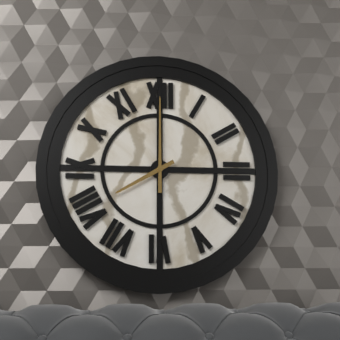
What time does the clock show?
8:00
